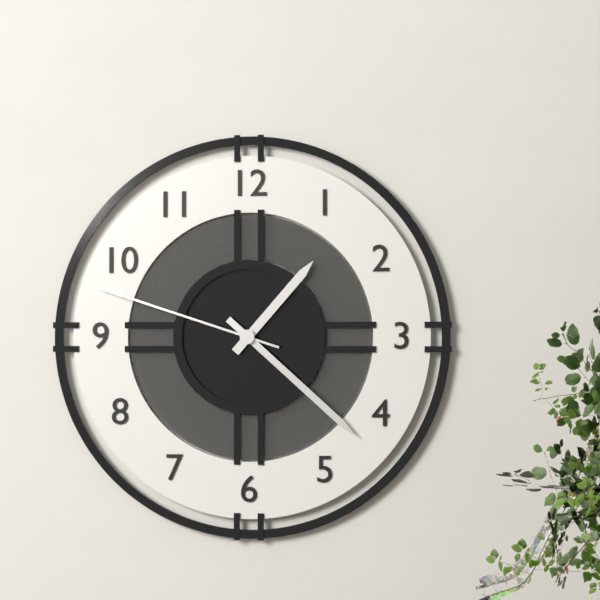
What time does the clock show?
1:22:48
